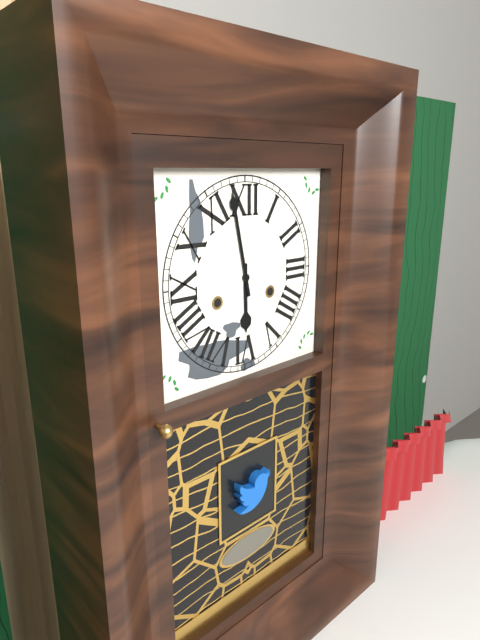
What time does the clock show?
5:58
